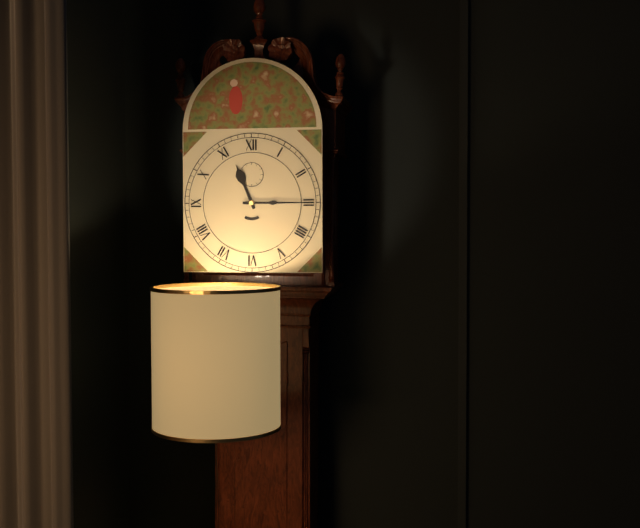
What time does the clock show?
11:15
